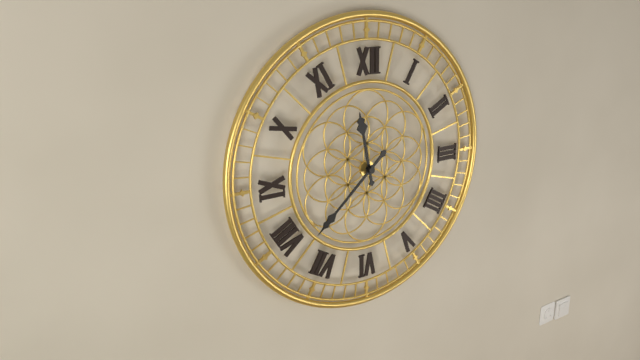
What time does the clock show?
11:38
